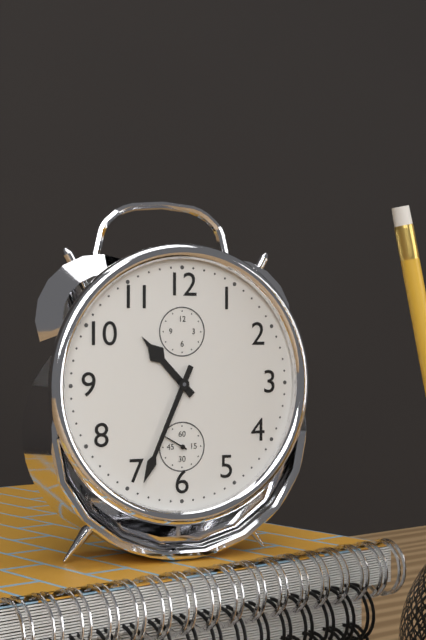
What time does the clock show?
10:34
